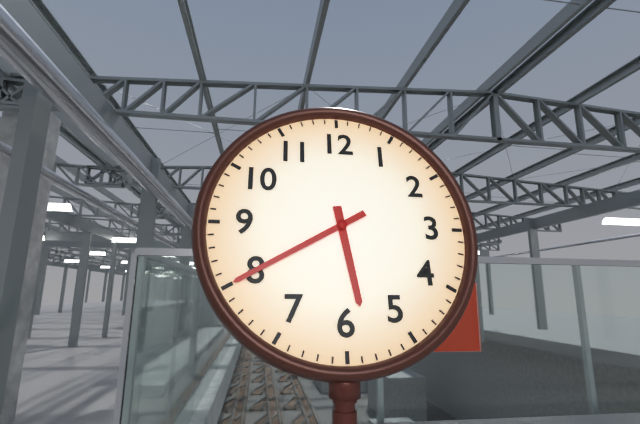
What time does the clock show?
5:40
